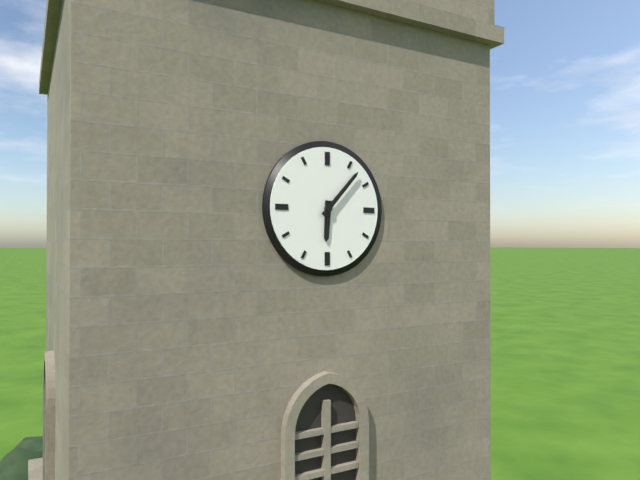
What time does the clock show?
6:07
